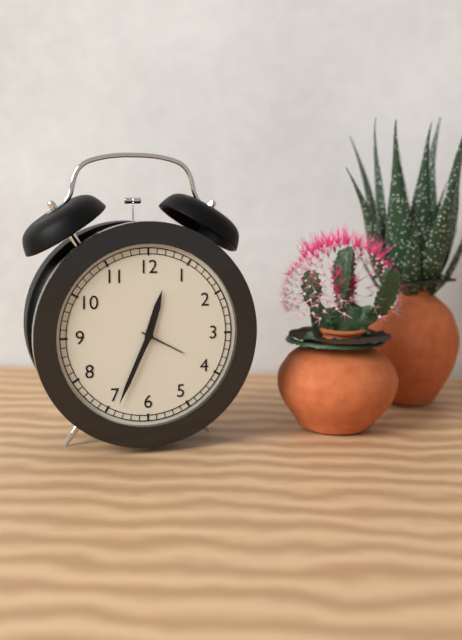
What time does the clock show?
12:34
